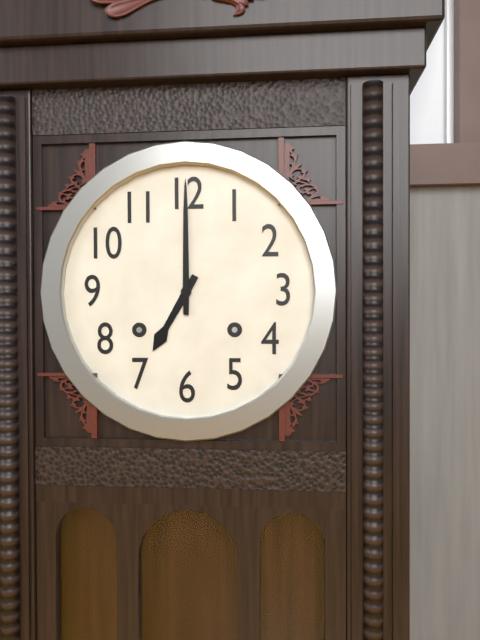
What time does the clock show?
7:00
